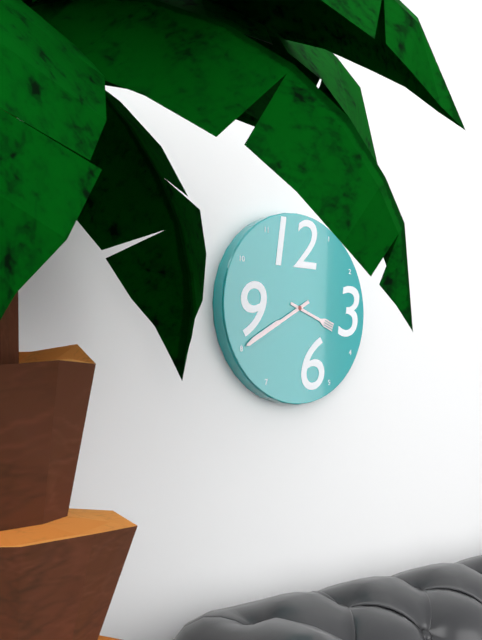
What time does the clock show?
3:40
